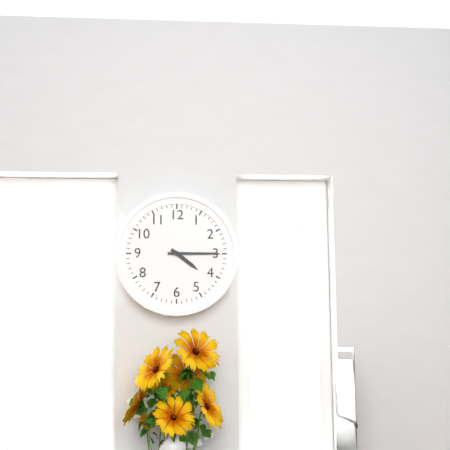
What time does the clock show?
4:15
